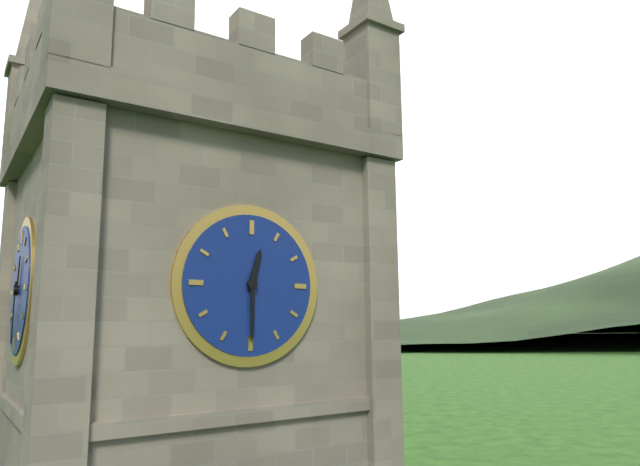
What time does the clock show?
12:30
